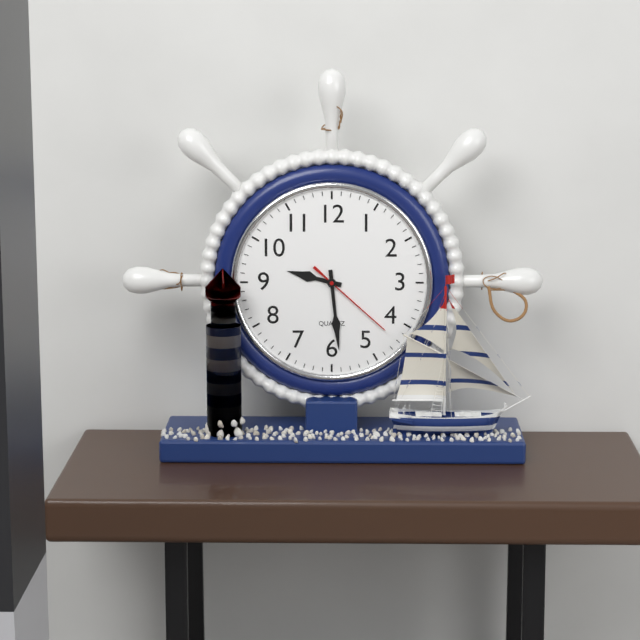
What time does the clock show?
9:29:22
